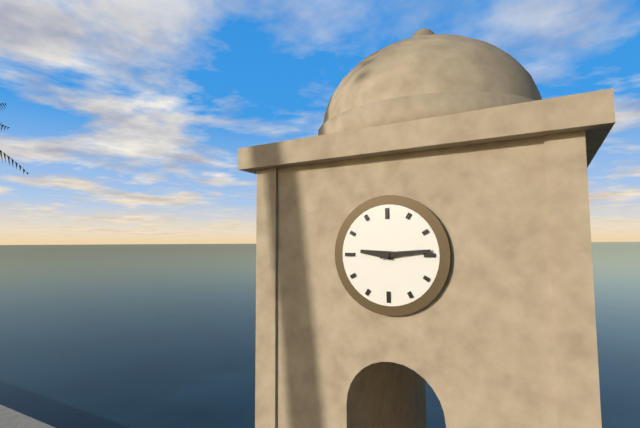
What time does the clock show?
9:14
